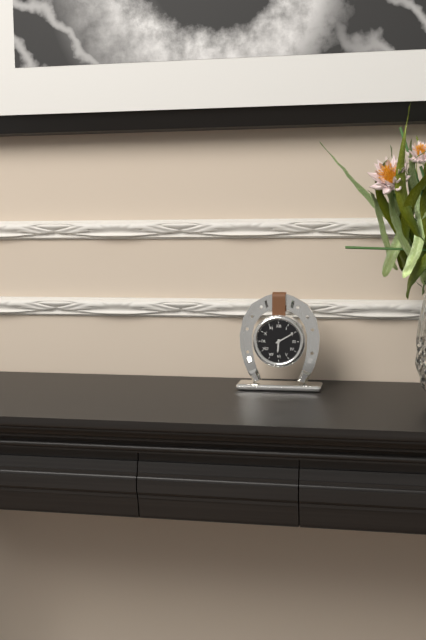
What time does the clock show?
6:10
